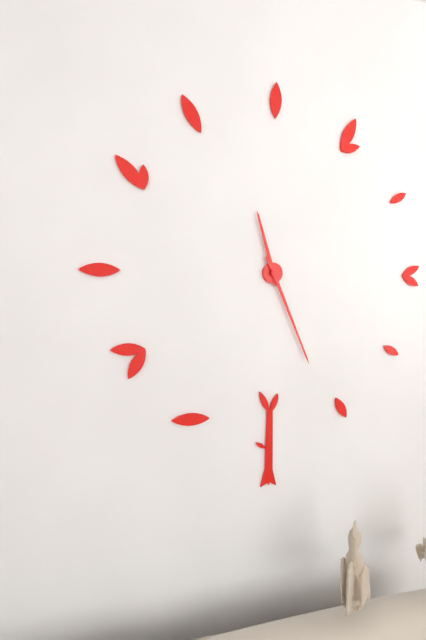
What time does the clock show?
11:26
